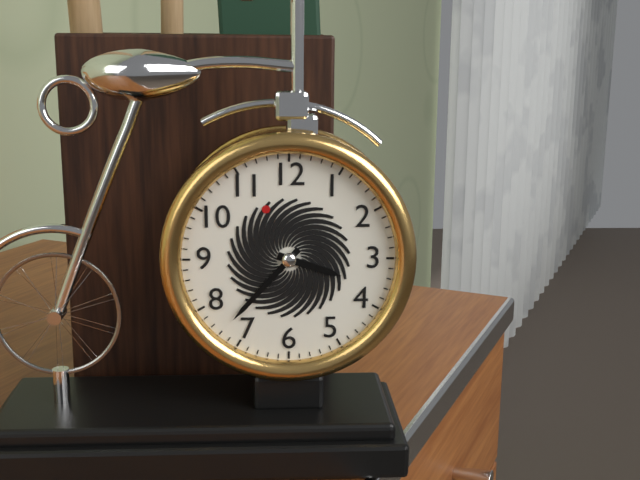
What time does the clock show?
3:37
